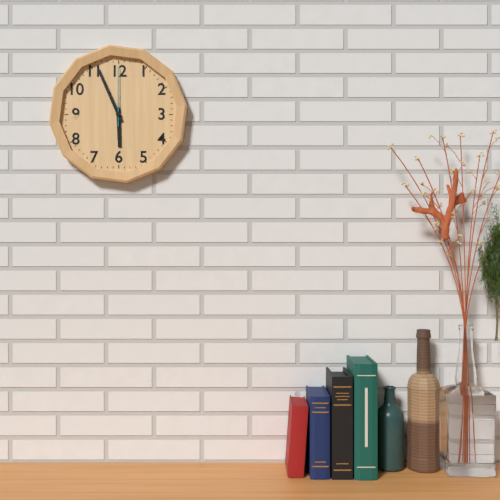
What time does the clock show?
5:56:00
